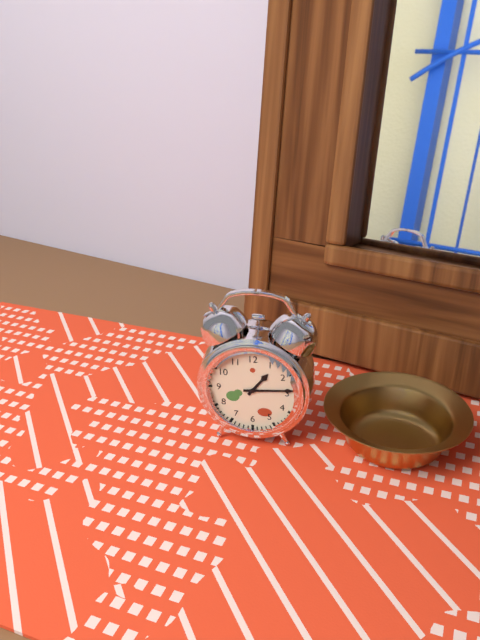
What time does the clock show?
1:14
